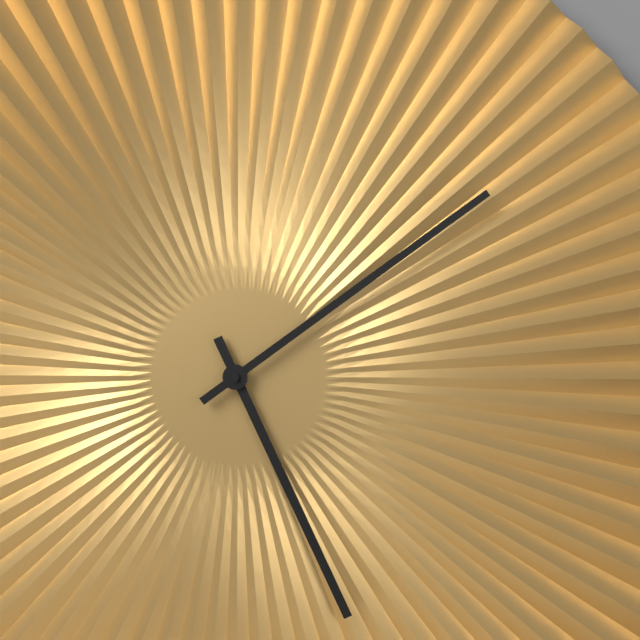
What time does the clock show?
5:09
